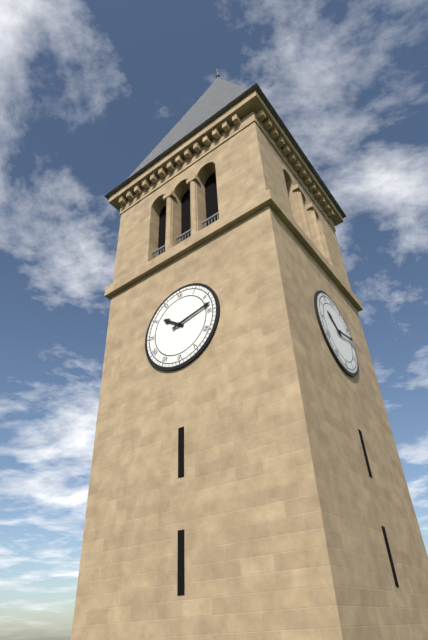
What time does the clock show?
10:13
